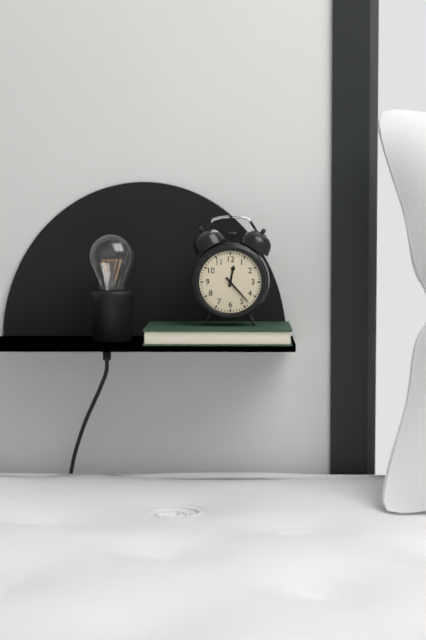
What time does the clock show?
12:23
